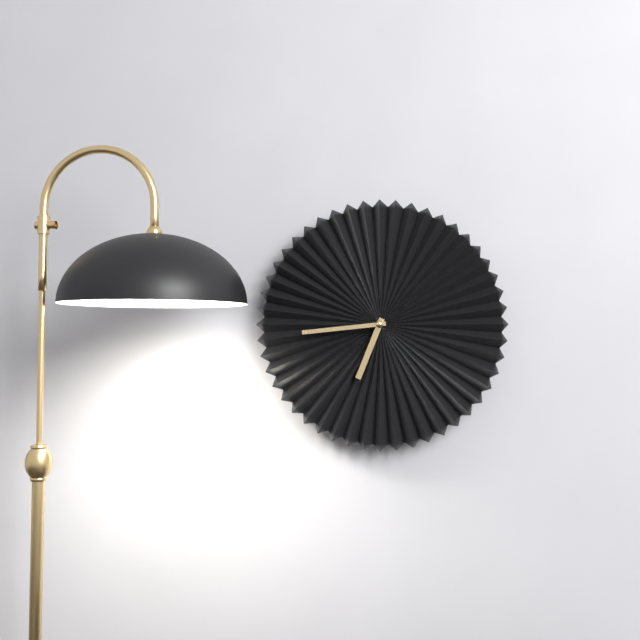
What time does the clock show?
6:44
